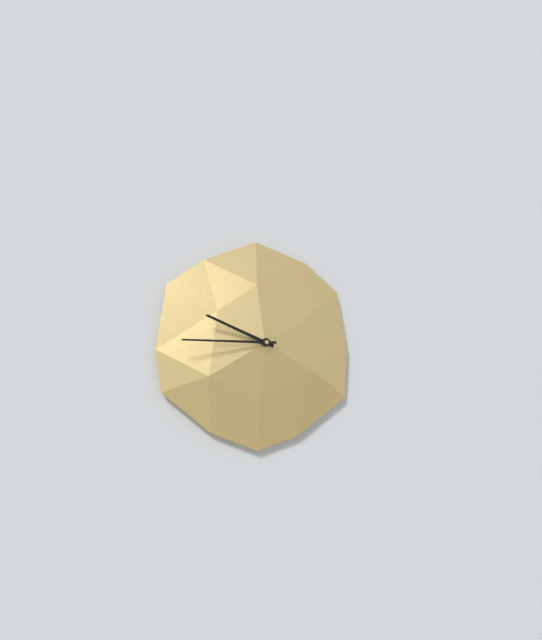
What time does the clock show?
9:45
